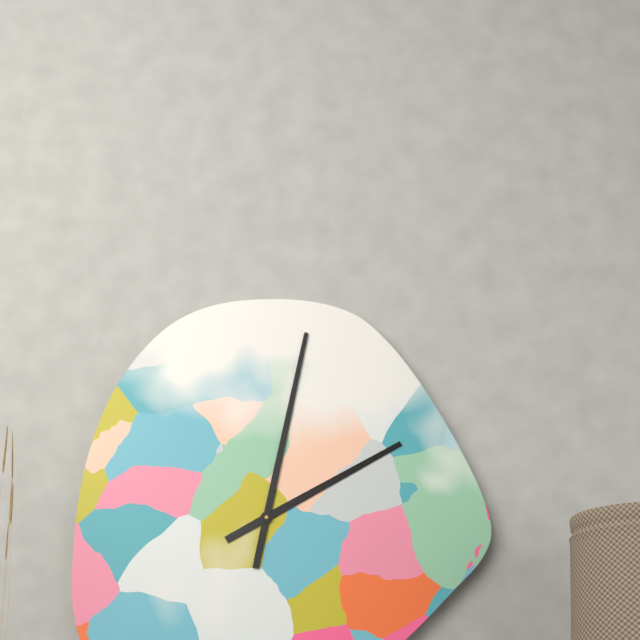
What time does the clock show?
2:02
